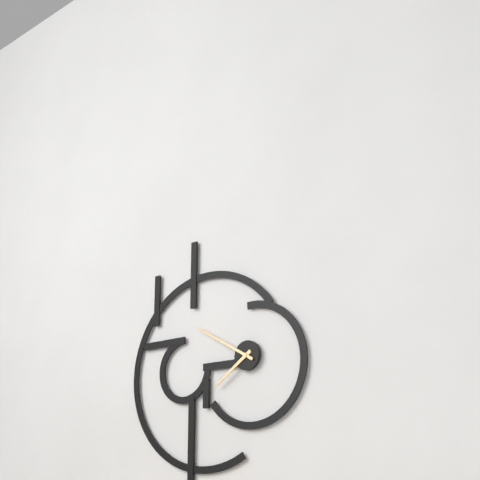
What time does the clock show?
7:50
